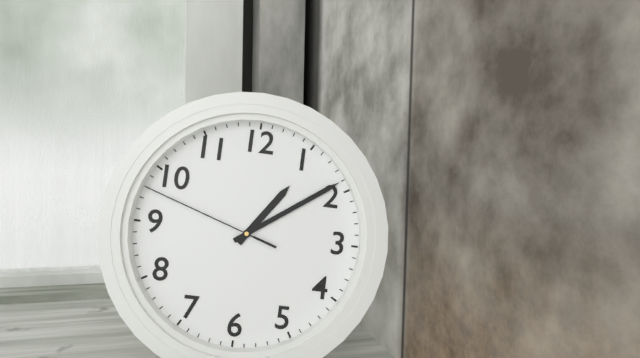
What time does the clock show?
1:09:48
